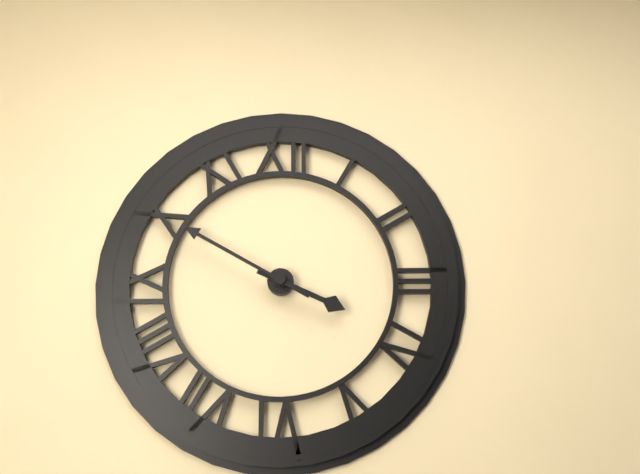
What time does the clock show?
3:50
